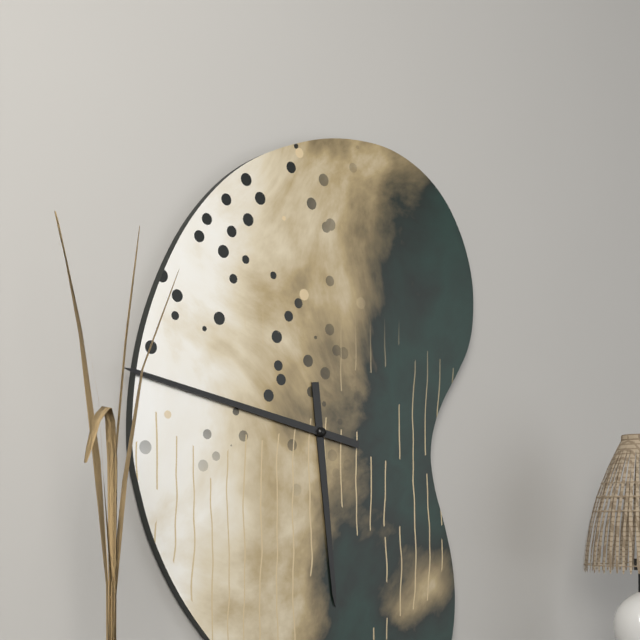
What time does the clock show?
5:47
